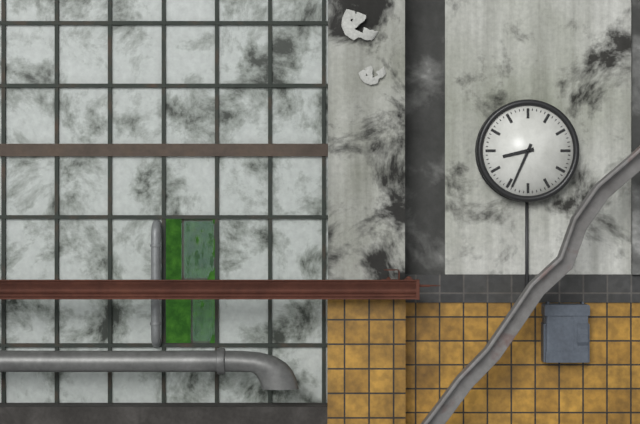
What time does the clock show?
8:34
